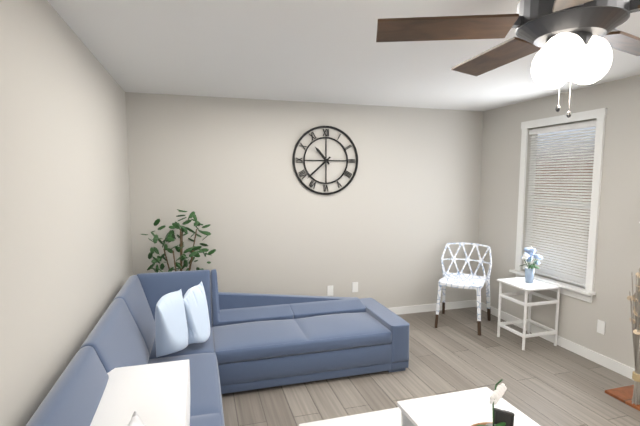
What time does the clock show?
10:38
